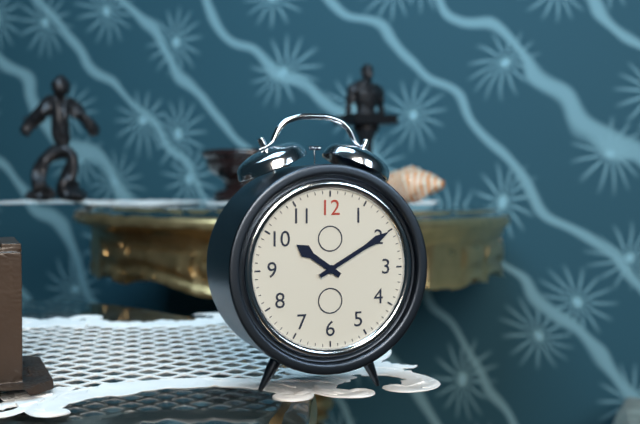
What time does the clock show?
10:10
